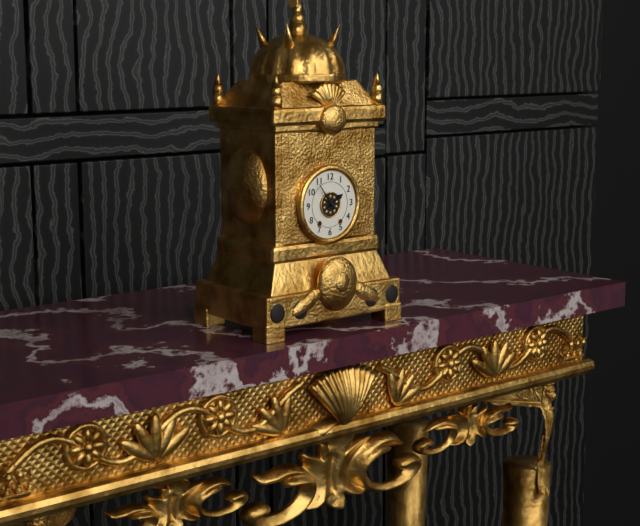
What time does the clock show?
1:54
